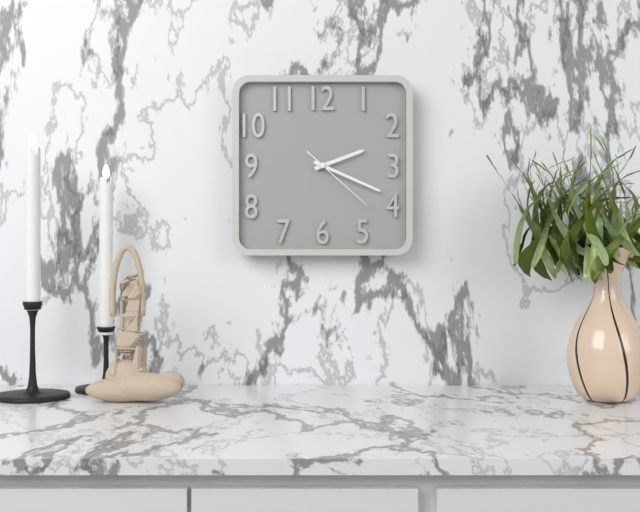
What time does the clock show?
2:19:22
